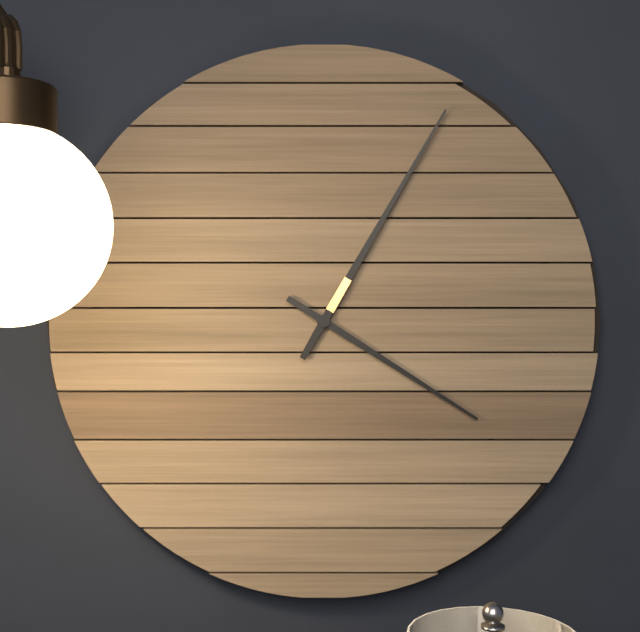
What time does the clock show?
4:05
